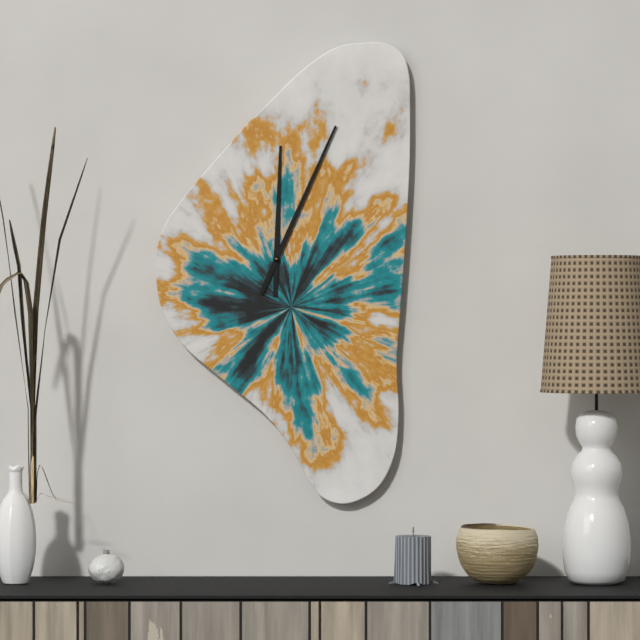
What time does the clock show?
12:04
